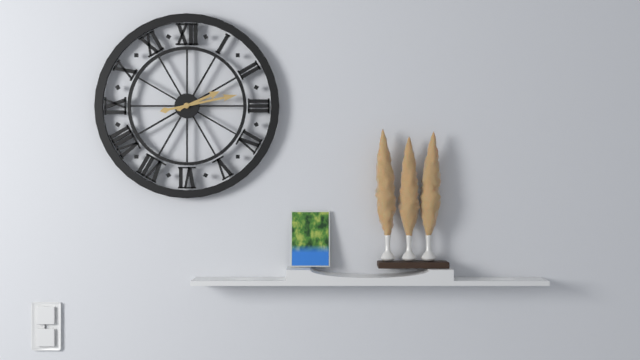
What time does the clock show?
2:13
